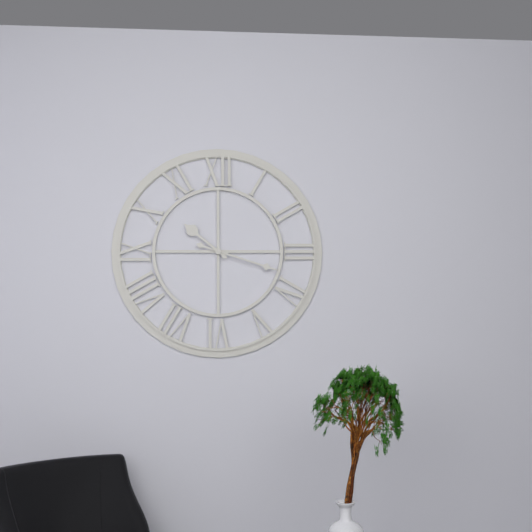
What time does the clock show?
10:18
